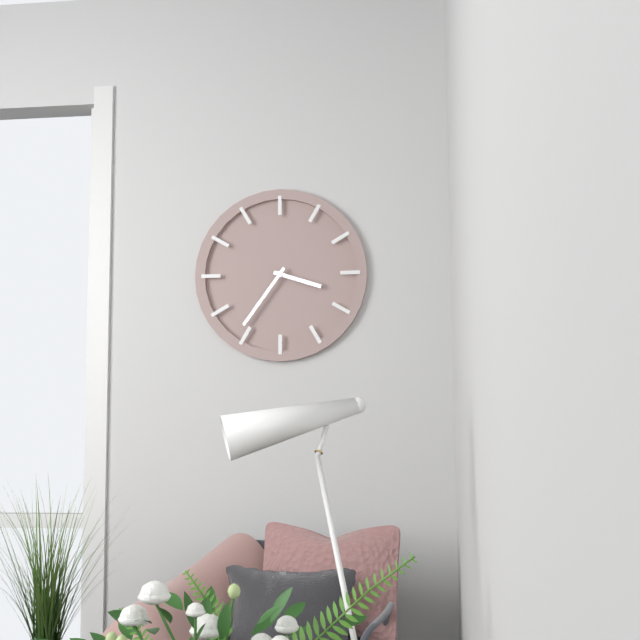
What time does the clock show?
3:36
